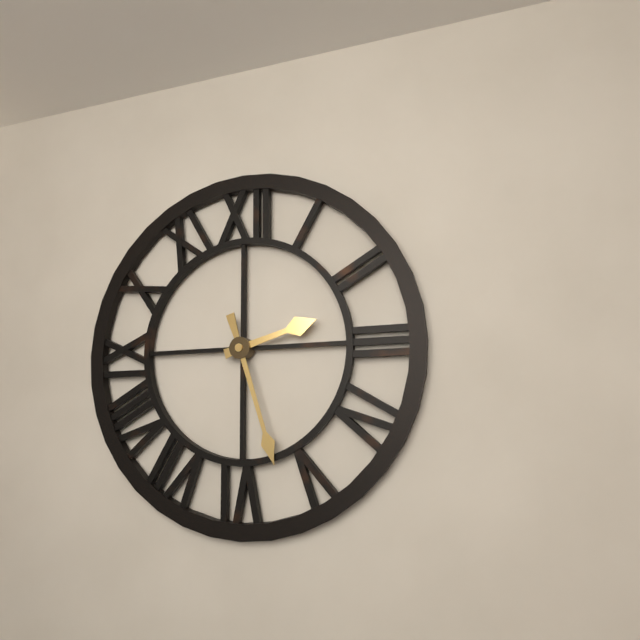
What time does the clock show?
2:27
